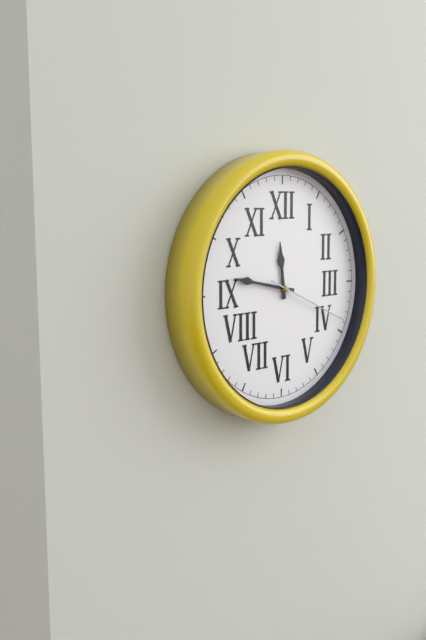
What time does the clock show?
11:47:19
